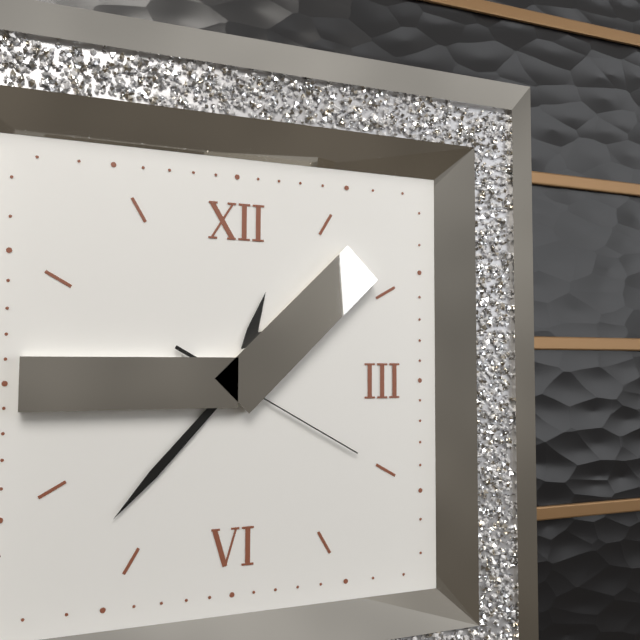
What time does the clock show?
12:37:20
